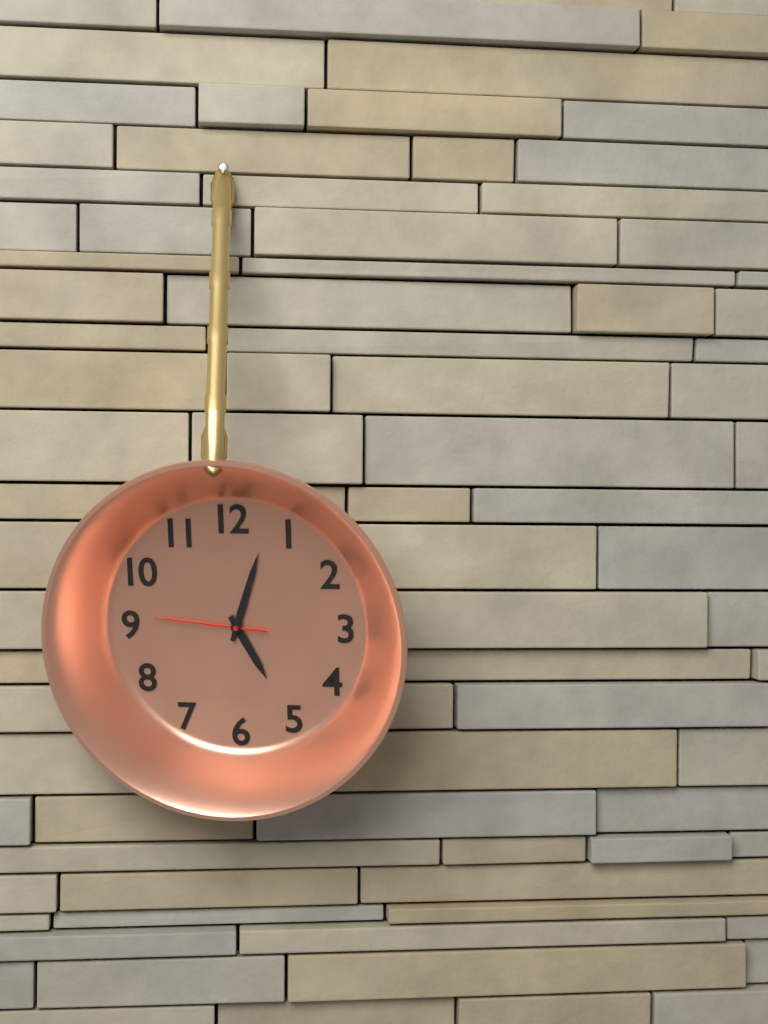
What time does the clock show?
5:03:46
